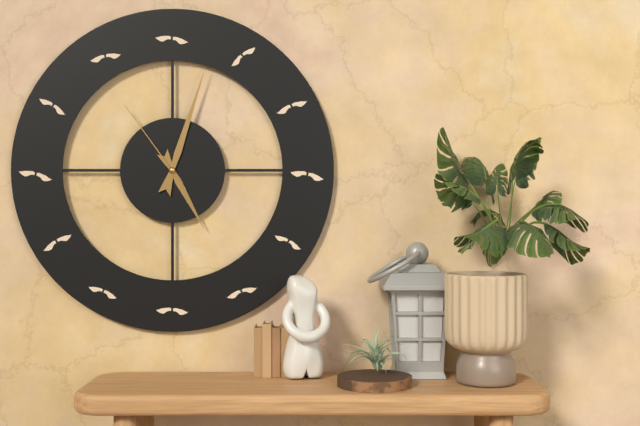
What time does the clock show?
5:03:54
